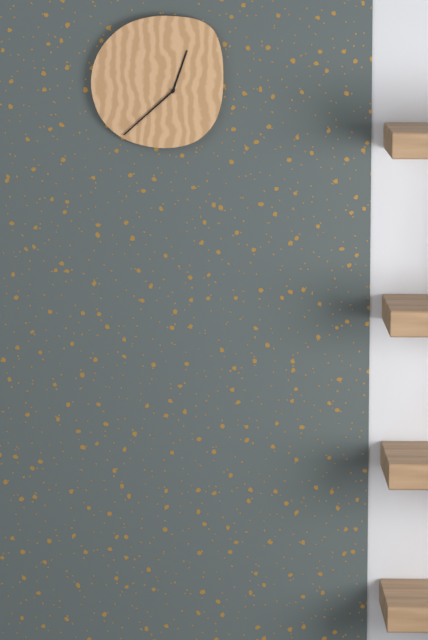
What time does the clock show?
12:38
